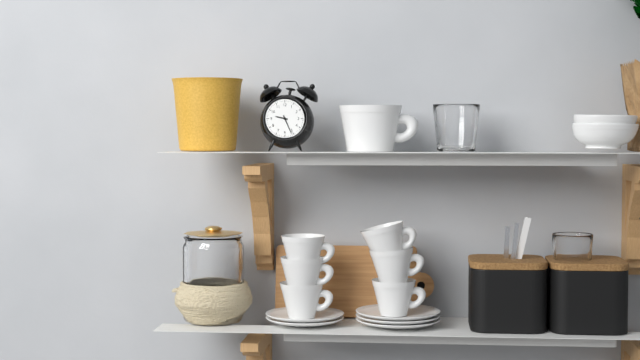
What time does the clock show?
9:26
